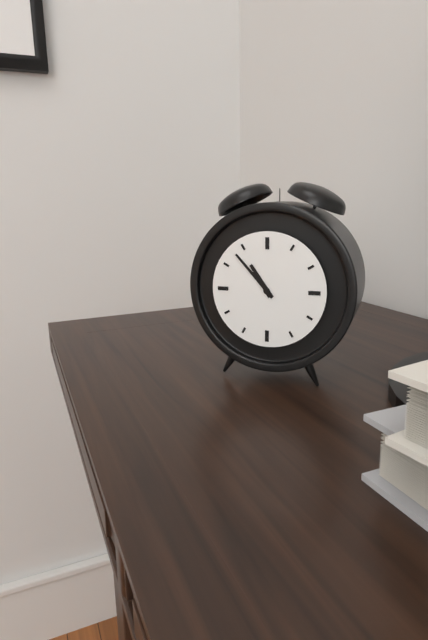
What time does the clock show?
10:53
